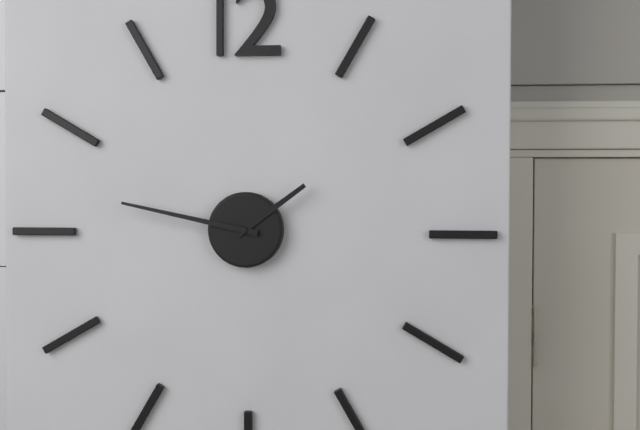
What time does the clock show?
1:47
